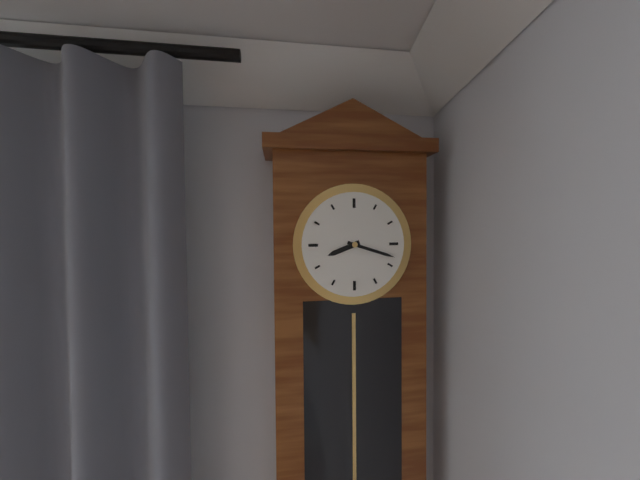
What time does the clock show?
8:18
